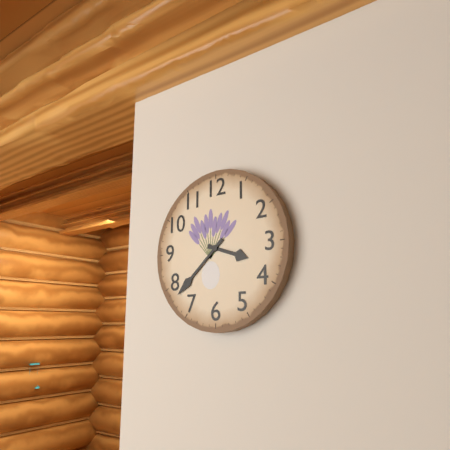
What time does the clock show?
3:38
